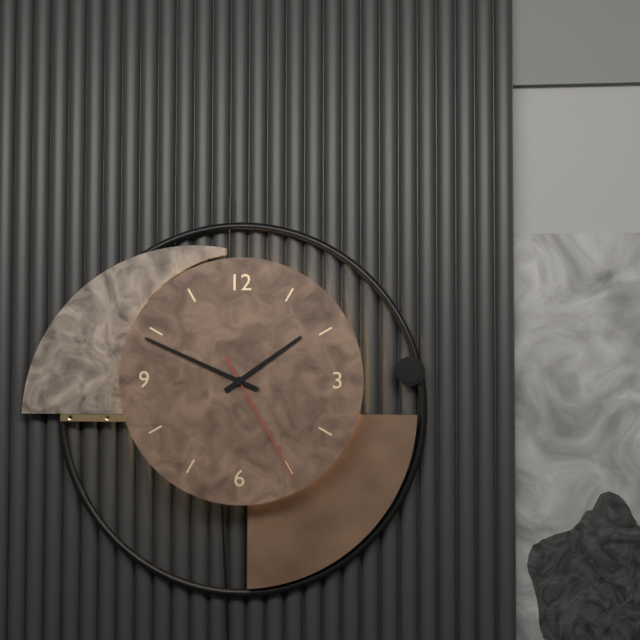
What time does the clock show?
1:49:25
